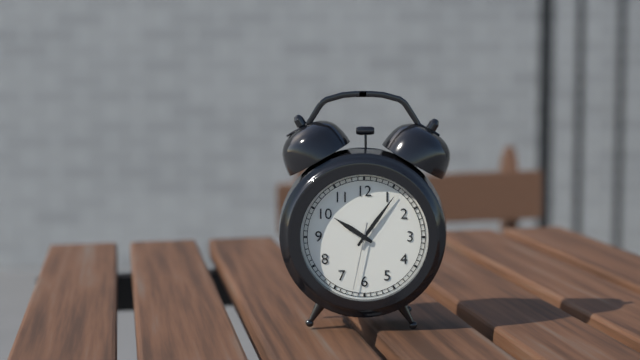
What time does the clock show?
10:06:32
